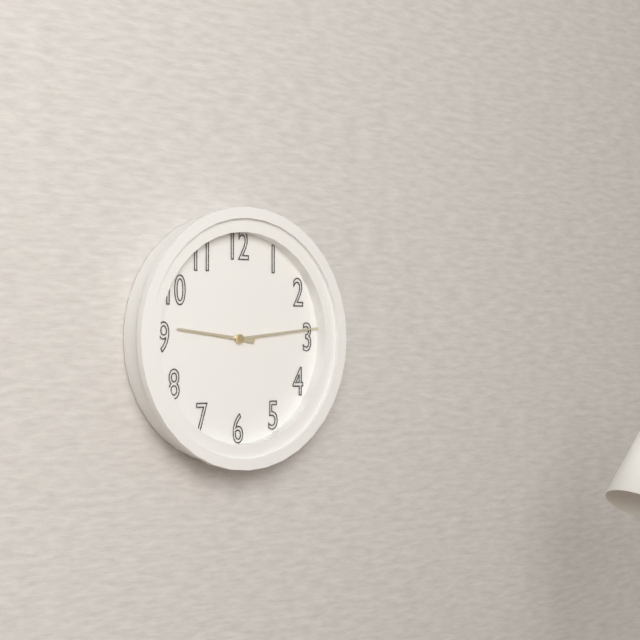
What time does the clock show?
9:14
